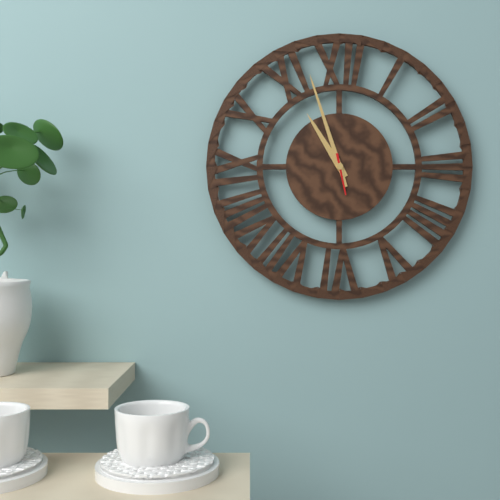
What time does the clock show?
10:57
